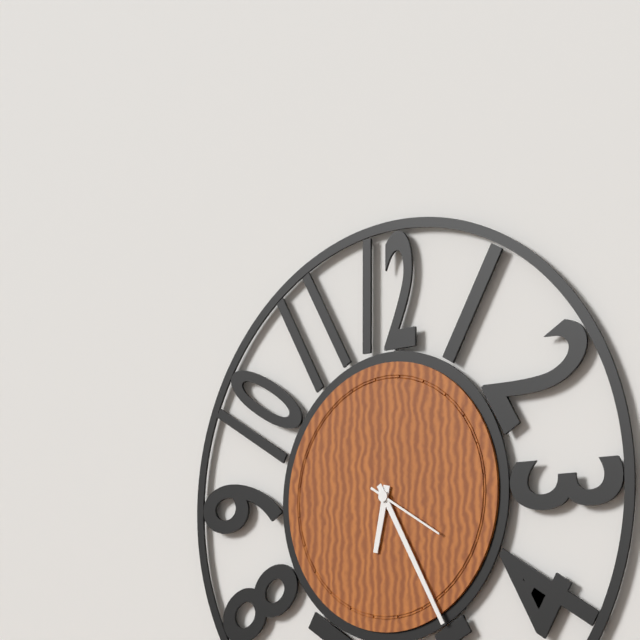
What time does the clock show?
6:25:20
